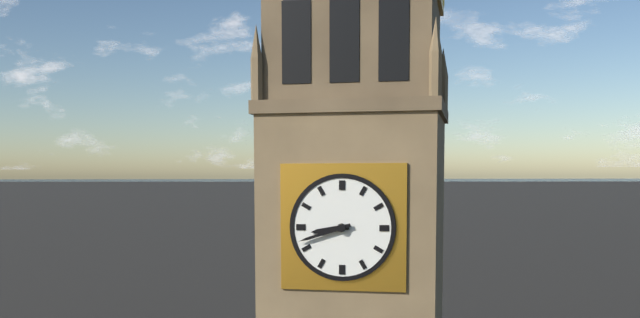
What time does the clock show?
8:42
